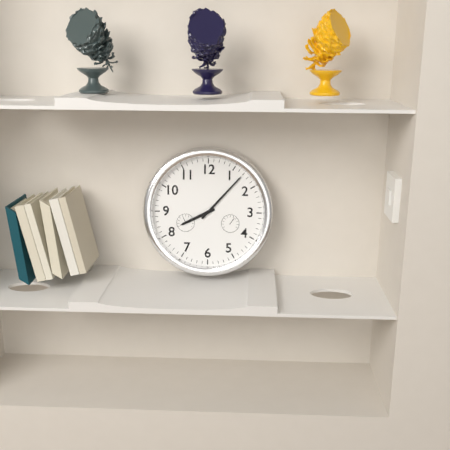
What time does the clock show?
8:07
